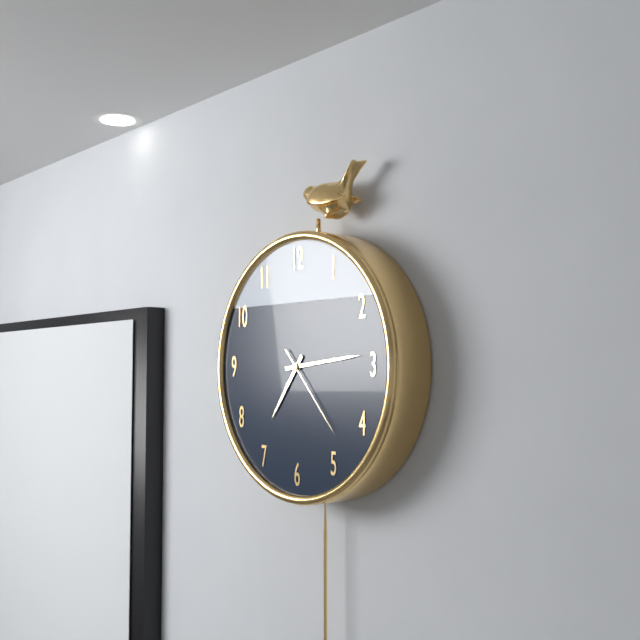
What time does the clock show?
7:14:23
